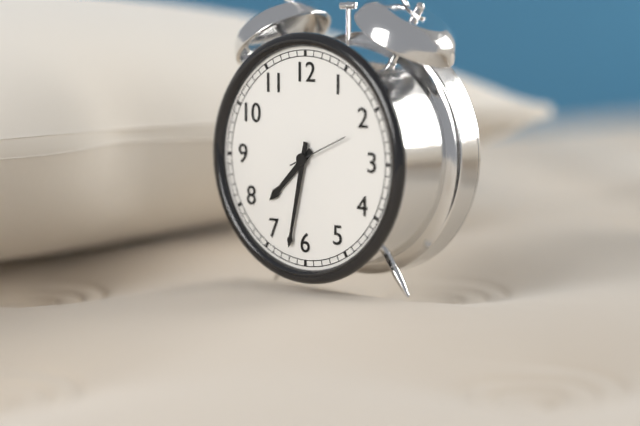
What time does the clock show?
7:32:11
